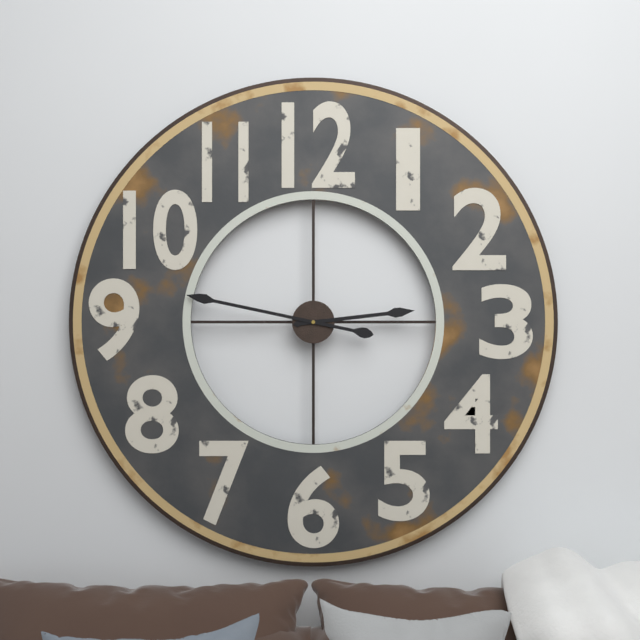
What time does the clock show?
2:47
